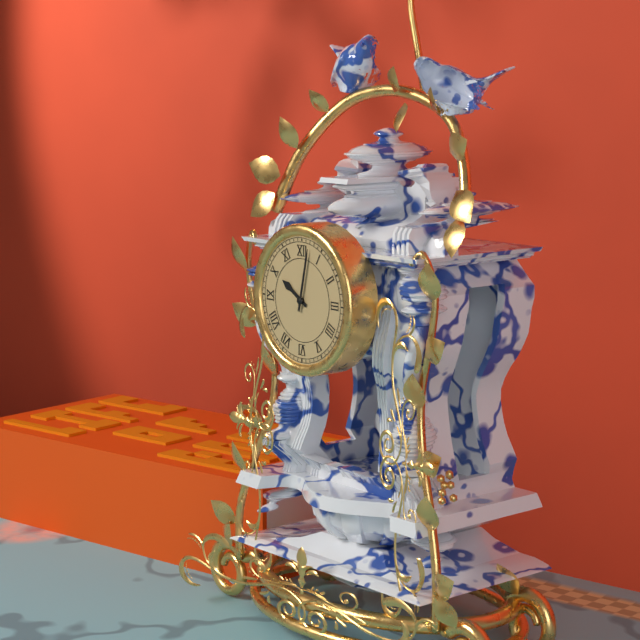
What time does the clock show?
10:02
